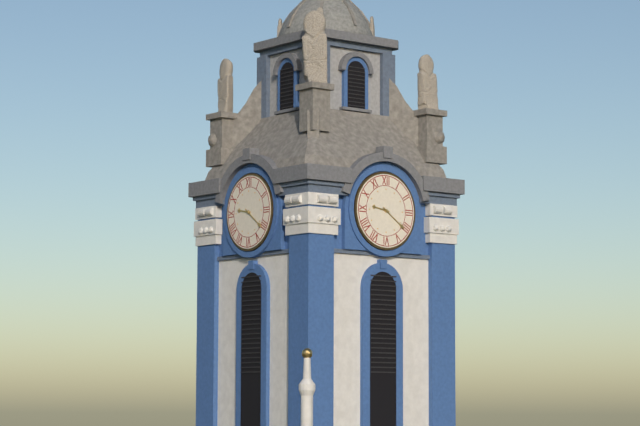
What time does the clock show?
9:21
